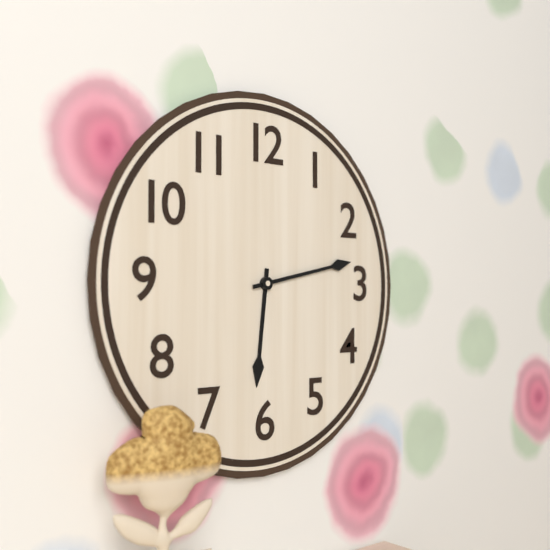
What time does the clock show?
6:13
